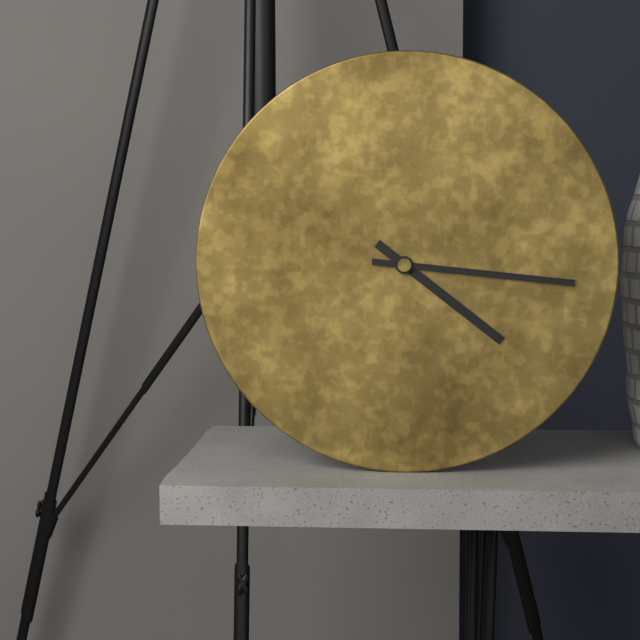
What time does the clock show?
4:16
